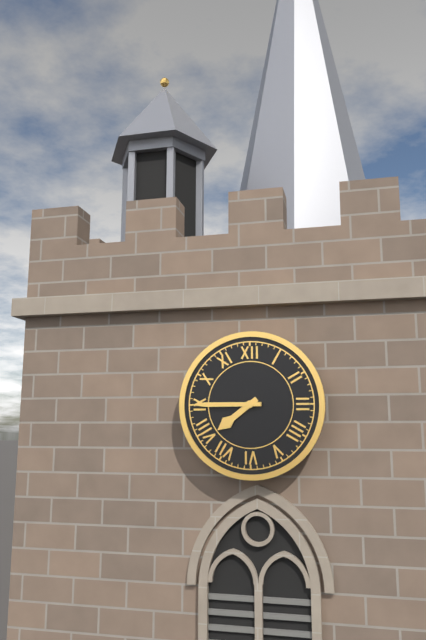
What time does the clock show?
7:45
